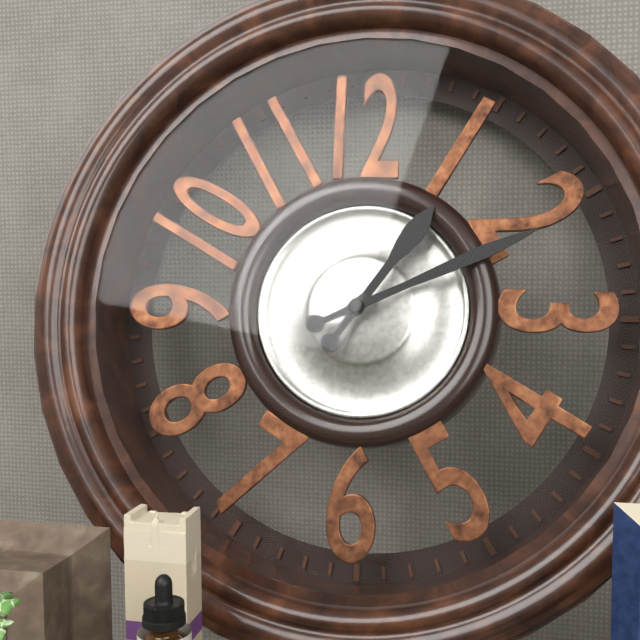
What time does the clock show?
1:11
